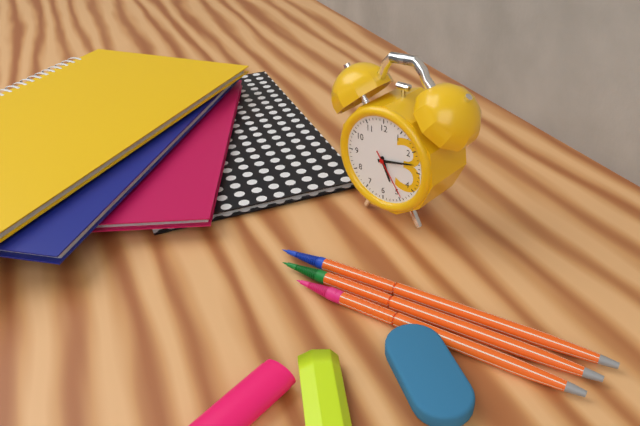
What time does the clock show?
5:13:24
